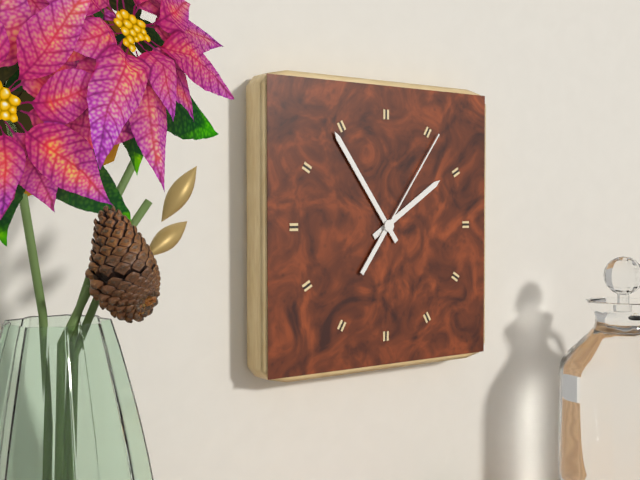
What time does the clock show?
1:54:06
